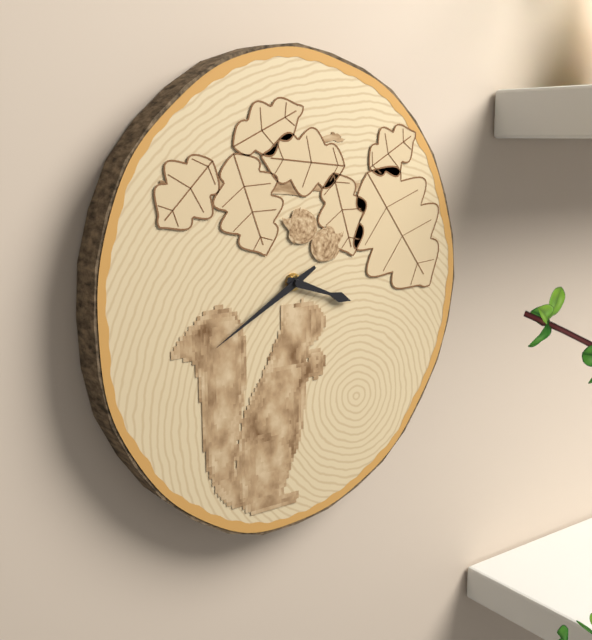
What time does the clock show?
3:40
